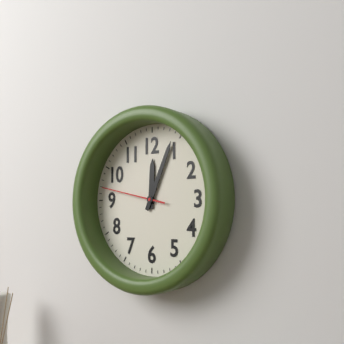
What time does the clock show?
12:04:47
